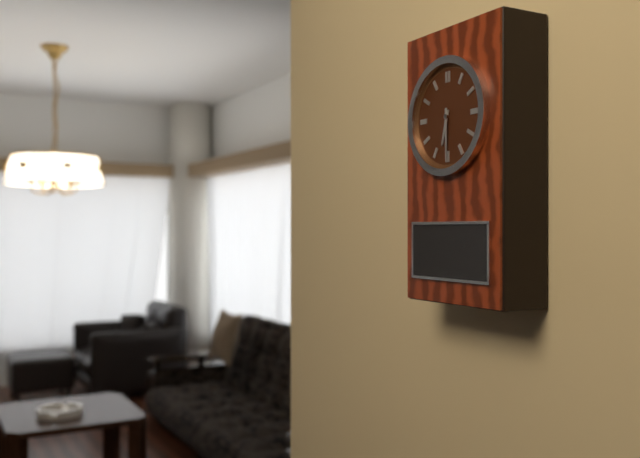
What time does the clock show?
6:30
